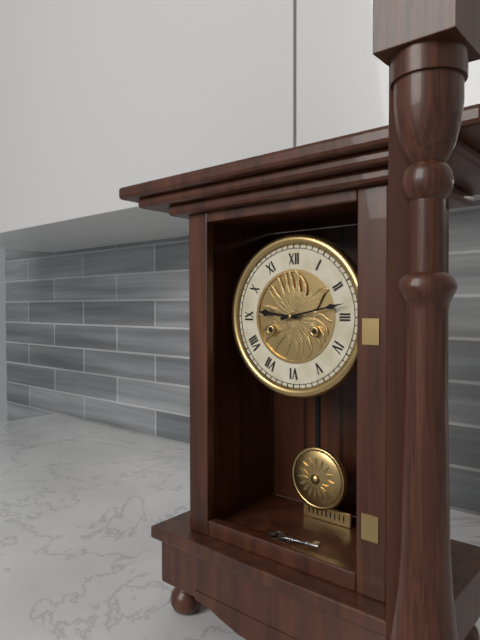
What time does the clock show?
9:13
